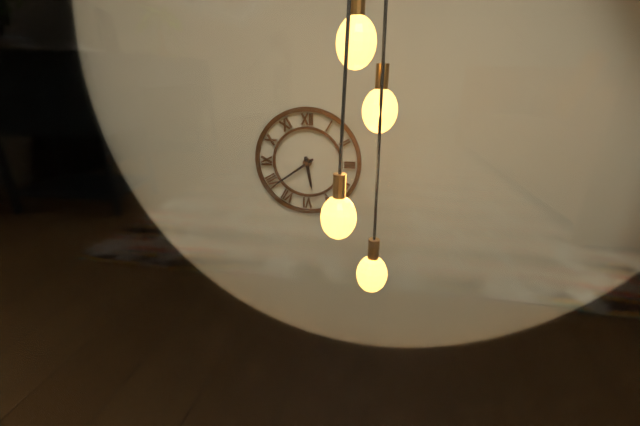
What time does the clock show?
5:39
